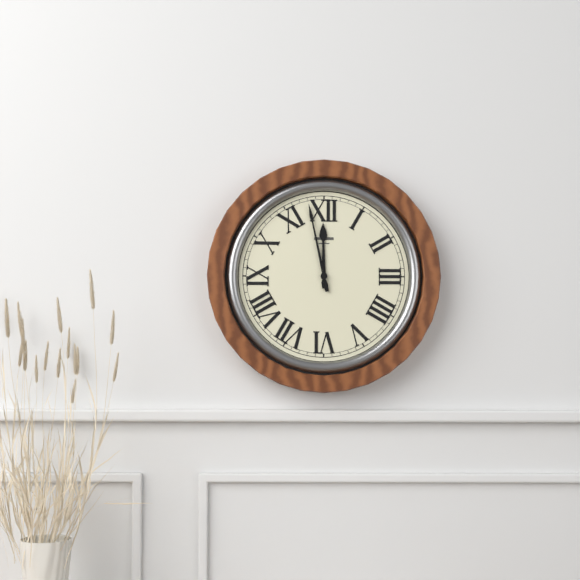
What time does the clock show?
11:58
